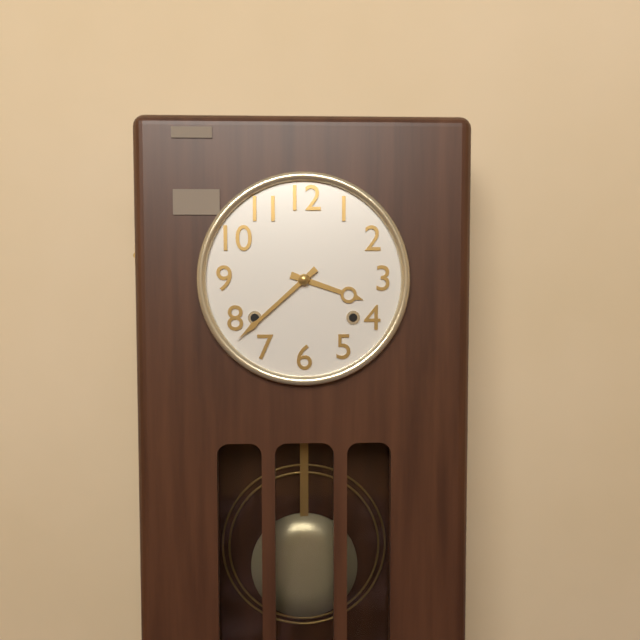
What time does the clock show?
3:38
